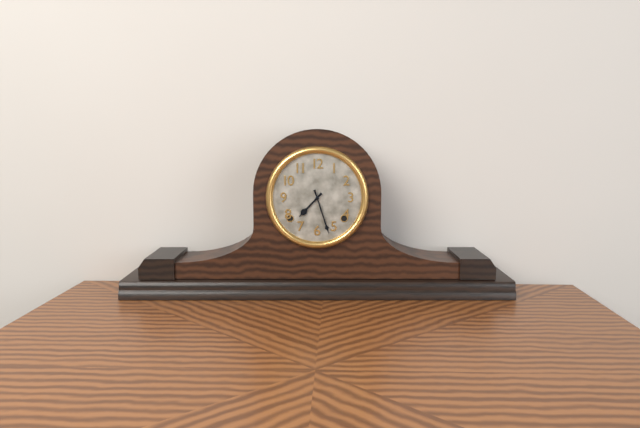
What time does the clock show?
7:27
